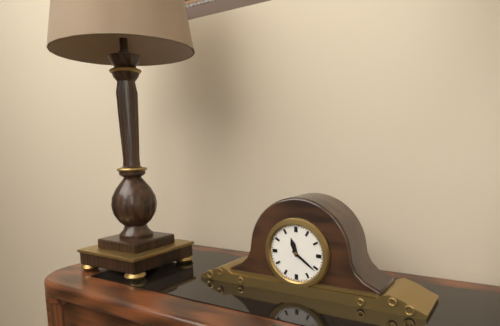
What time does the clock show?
11:21
